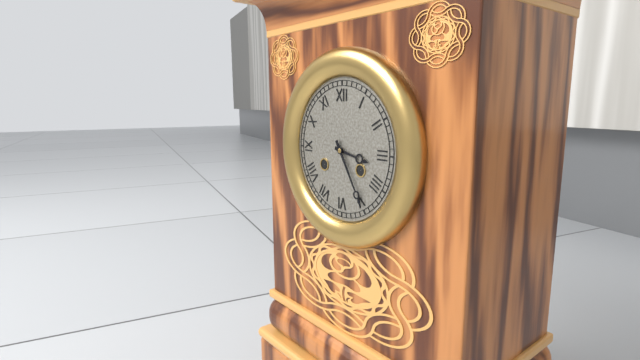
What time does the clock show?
3:25
